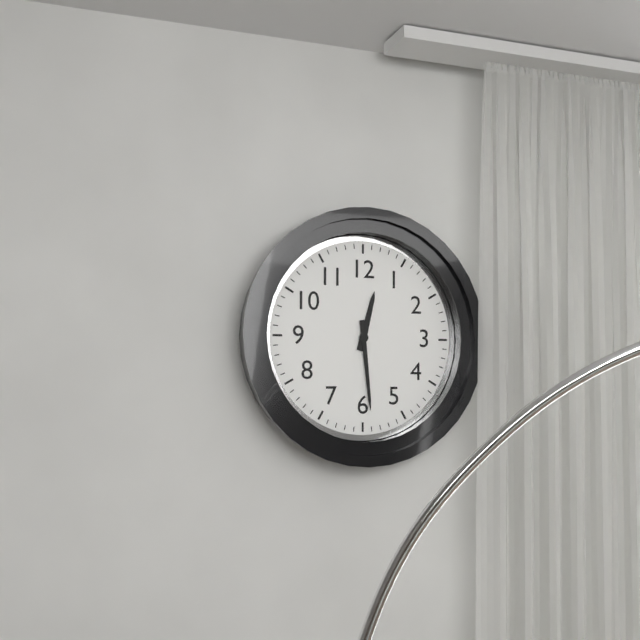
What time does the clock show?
12:29
